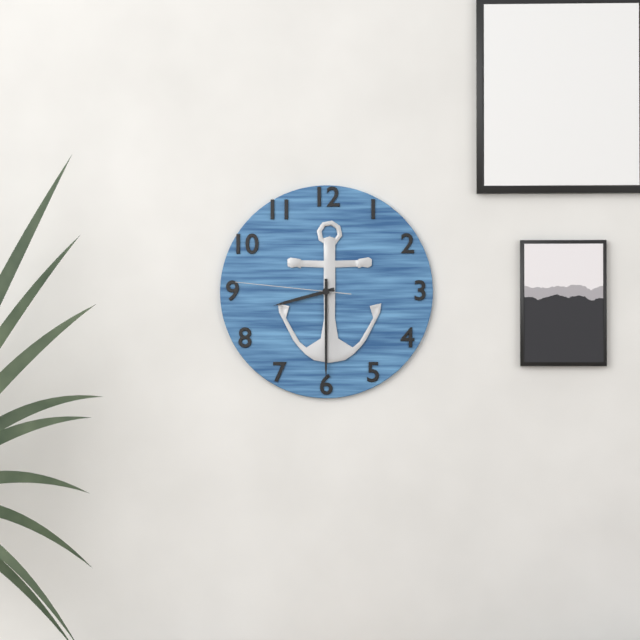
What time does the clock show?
8:30:46
